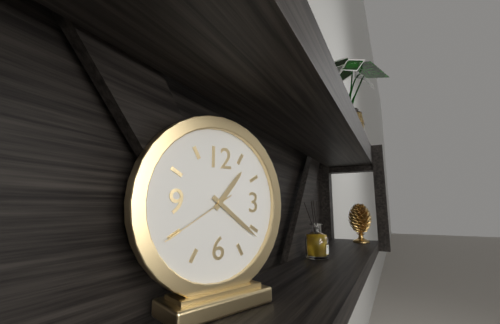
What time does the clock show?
1:21:40
